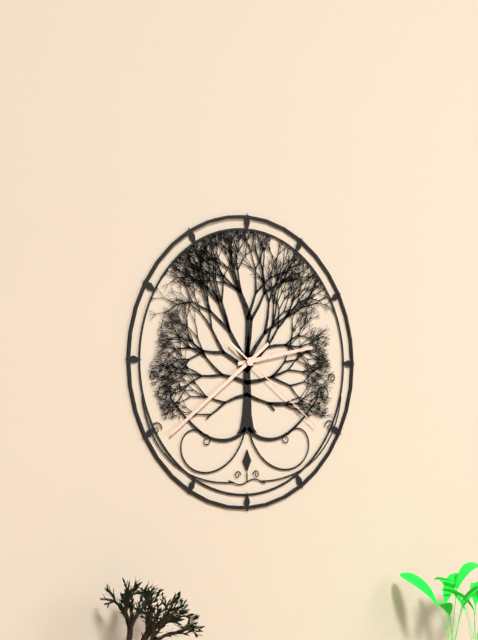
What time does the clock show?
2:39:21
